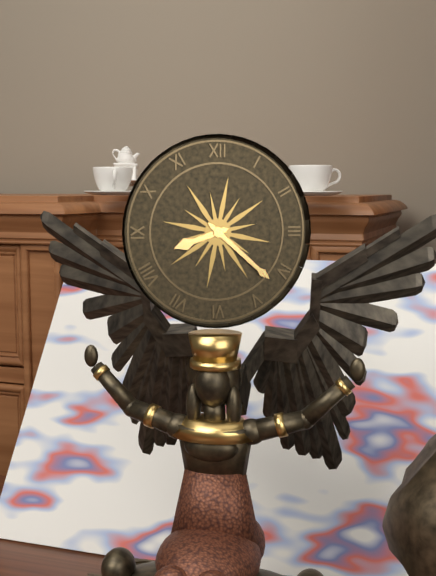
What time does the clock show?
8:22
